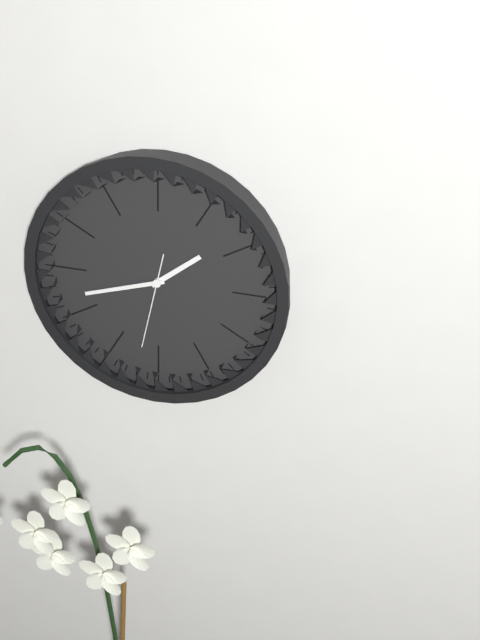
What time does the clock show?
1:42:32
